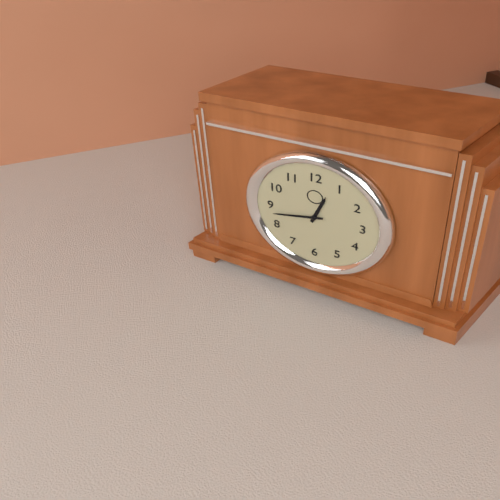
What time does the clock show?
12:43
